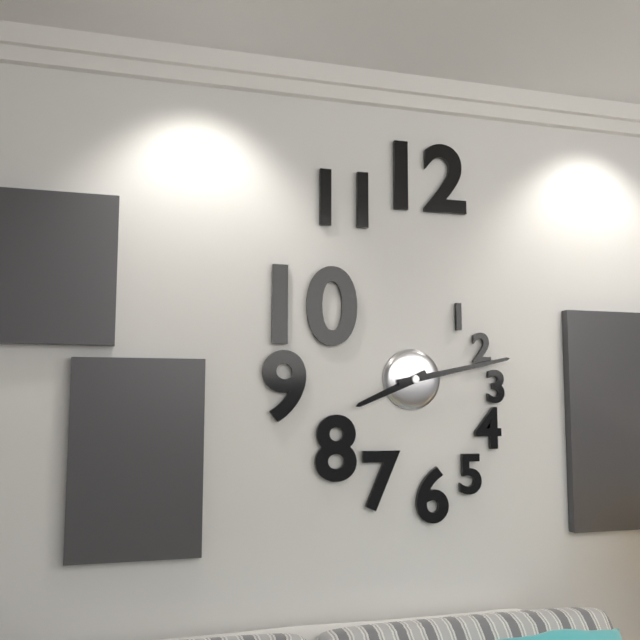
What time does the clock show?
8:13
